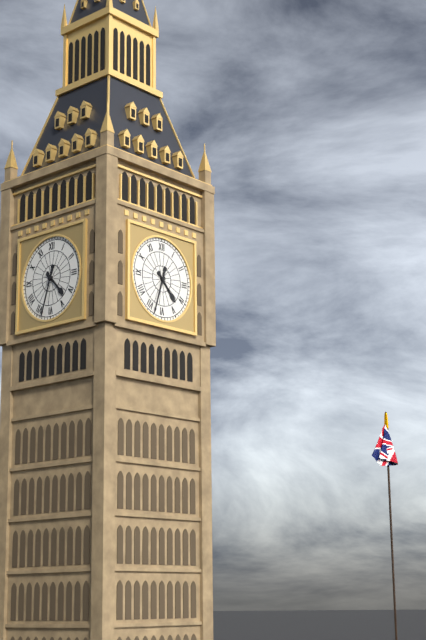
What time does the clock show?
4:33
